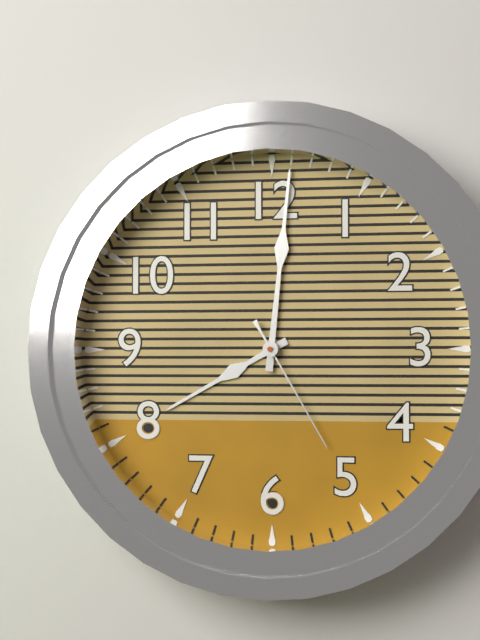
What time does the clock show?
8:01:25
